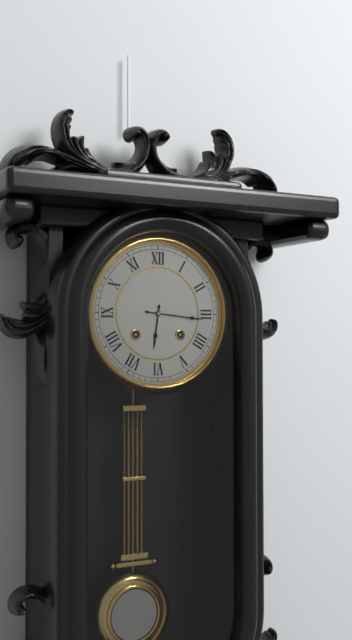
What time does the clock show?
6:16
